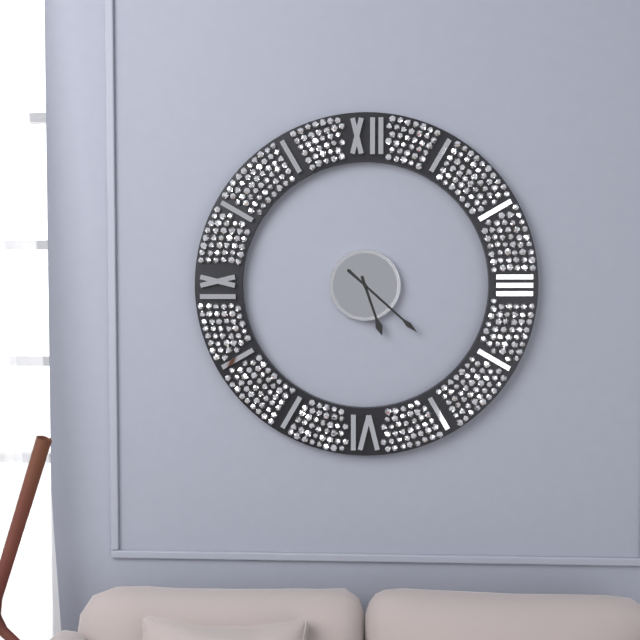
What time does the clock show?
5:22
